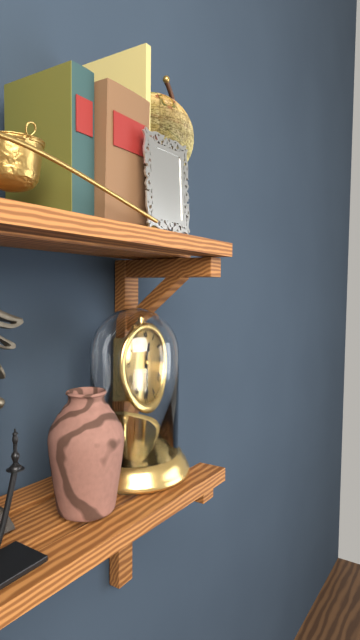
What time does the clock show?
12:30
